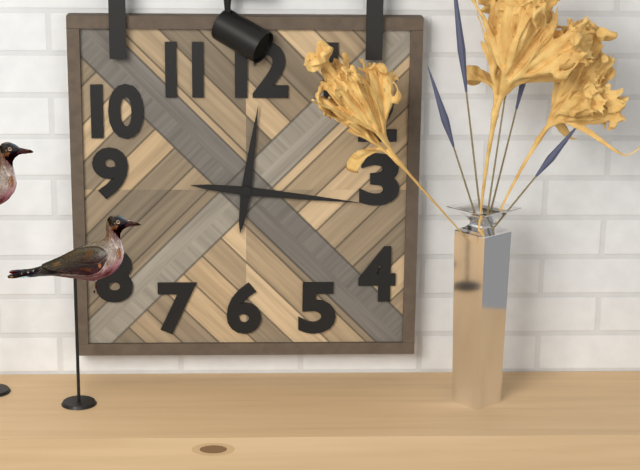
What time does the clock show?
12:16
